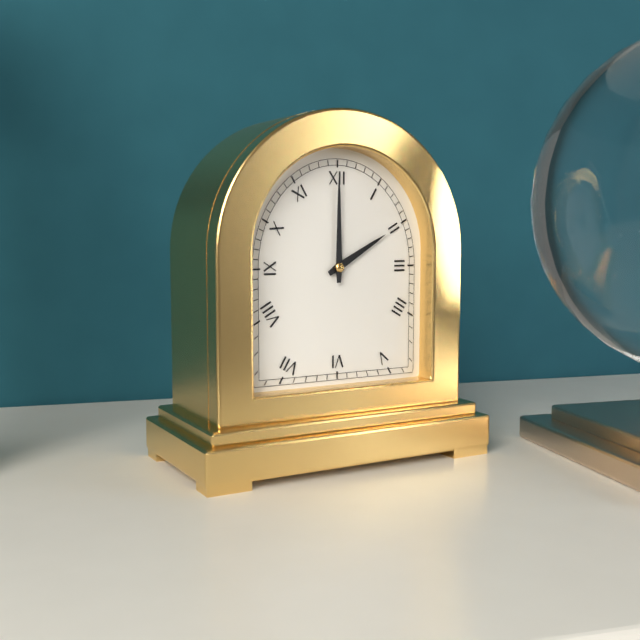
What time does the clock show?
2:00
